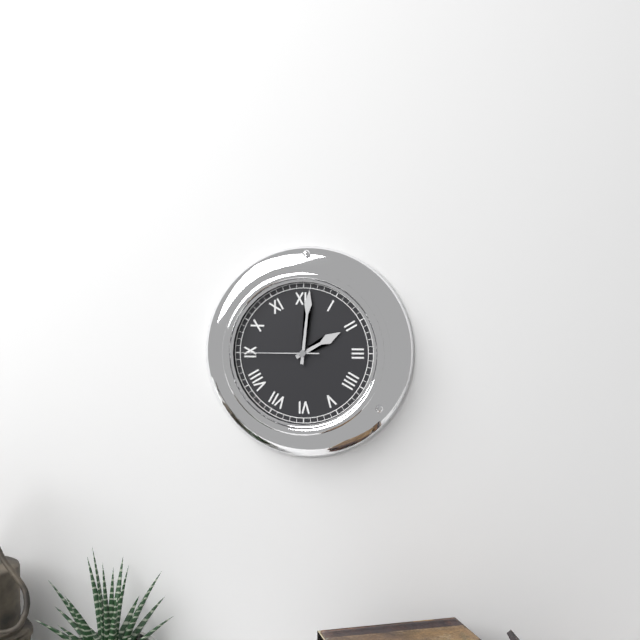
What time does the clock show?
2:01:45
